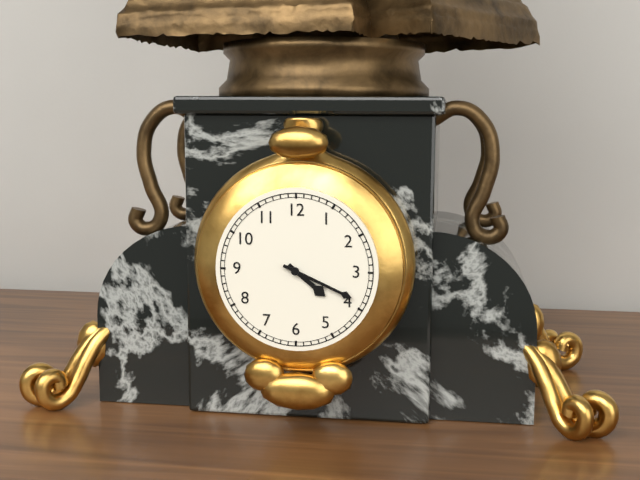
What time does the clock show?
4:19
